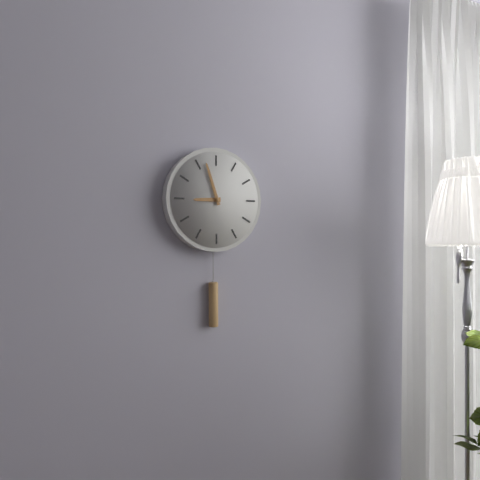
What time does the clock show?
8:57
